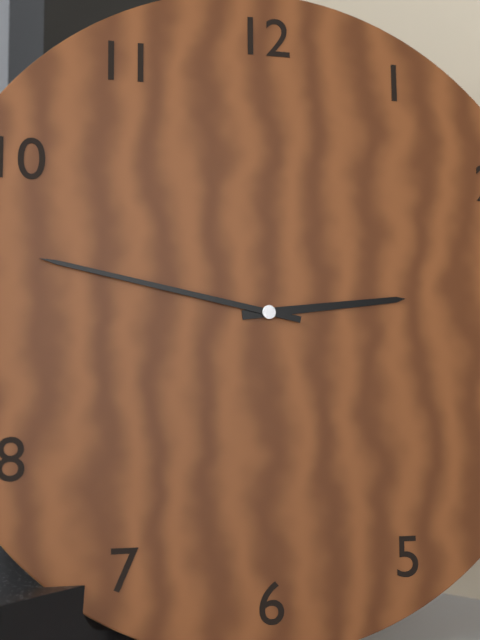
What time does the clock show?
2:47
